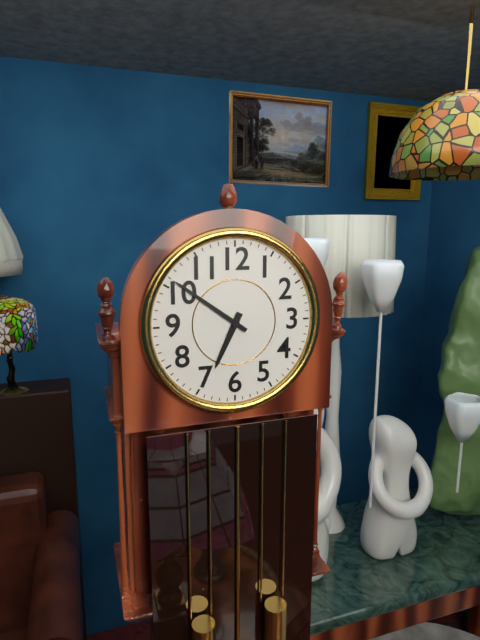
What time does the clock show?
6:51
